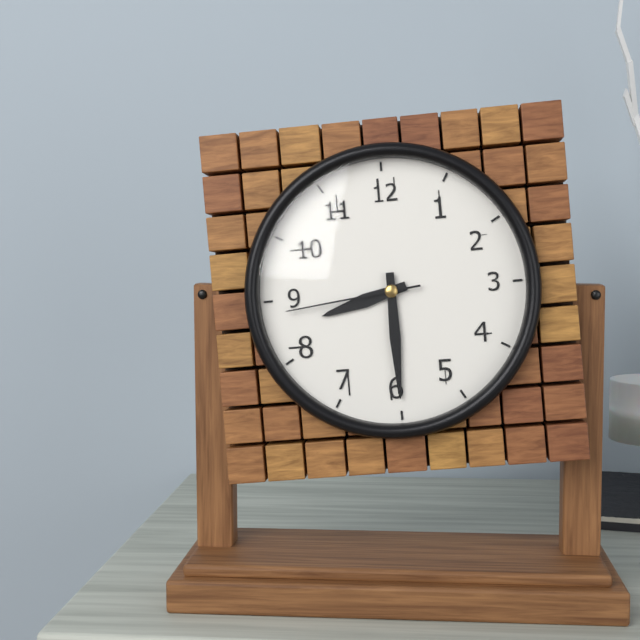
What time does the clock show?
8:30:44
